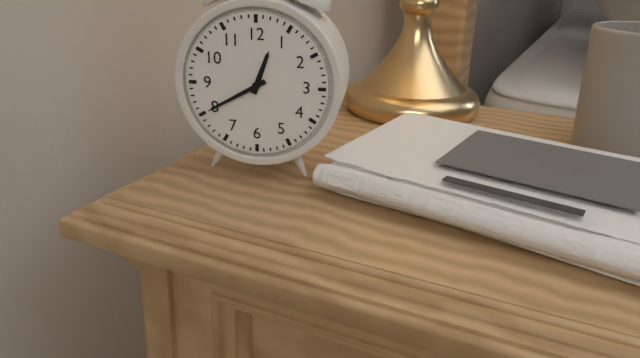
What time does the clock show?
12:40
